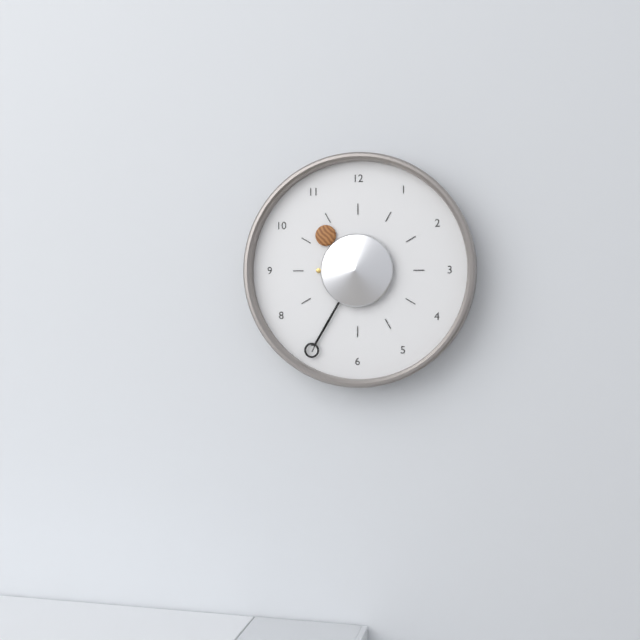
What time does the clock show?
10:35
